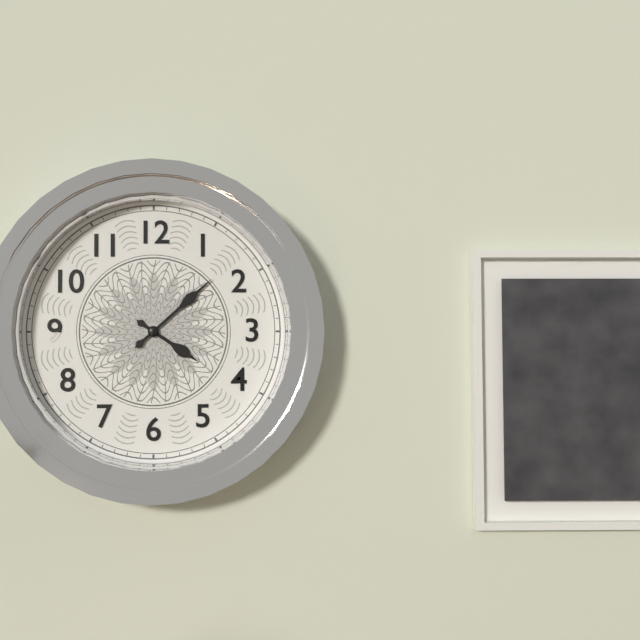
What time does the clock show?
4:08
